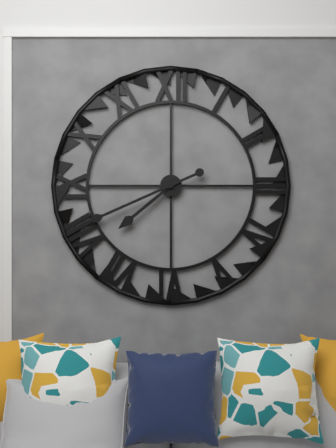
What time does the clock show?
7:41
